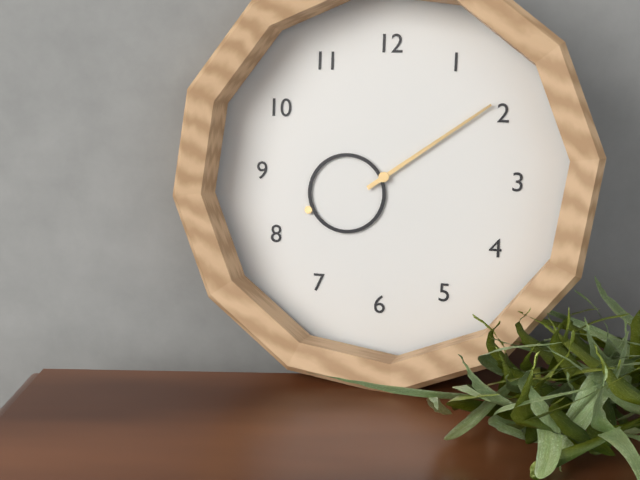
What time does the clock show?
8:09
